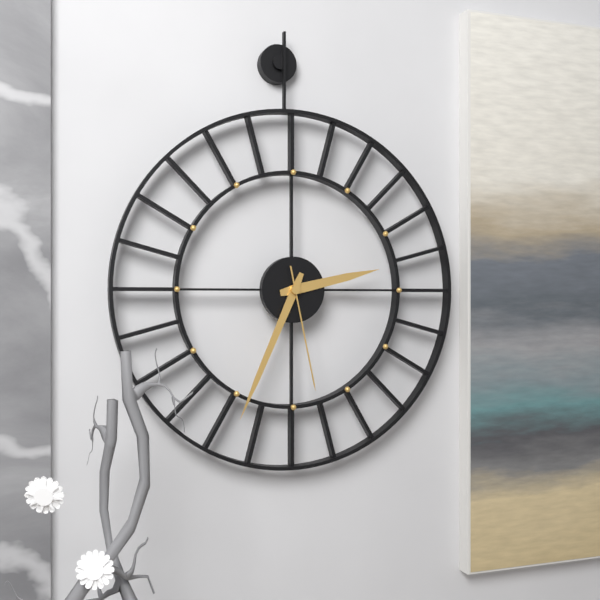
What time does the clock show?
2:34:28
